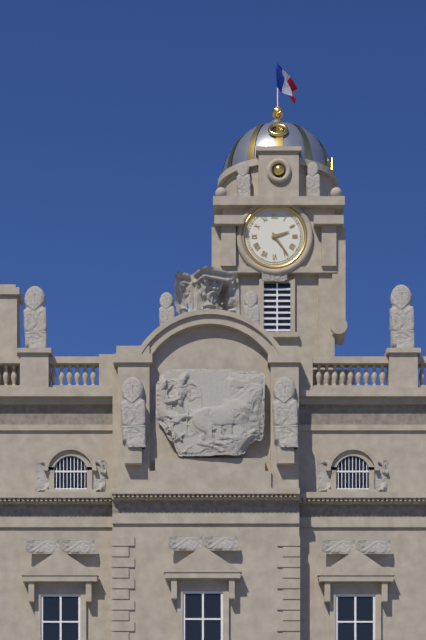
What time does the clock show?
2:24
